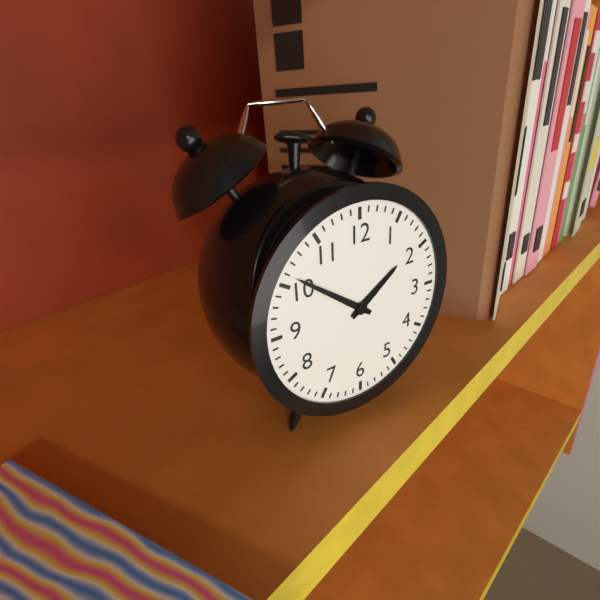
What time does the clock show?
1:51
